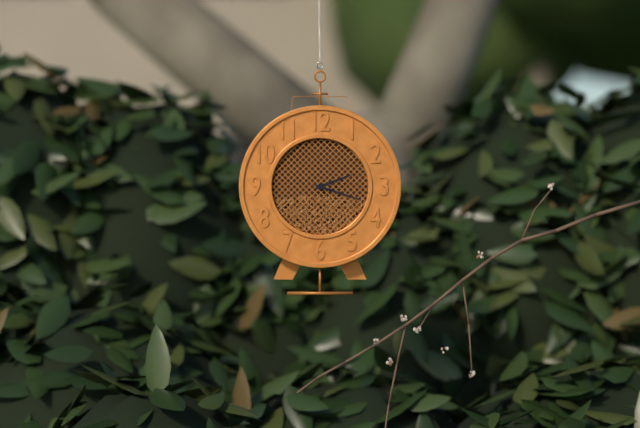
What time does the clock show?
2:18
